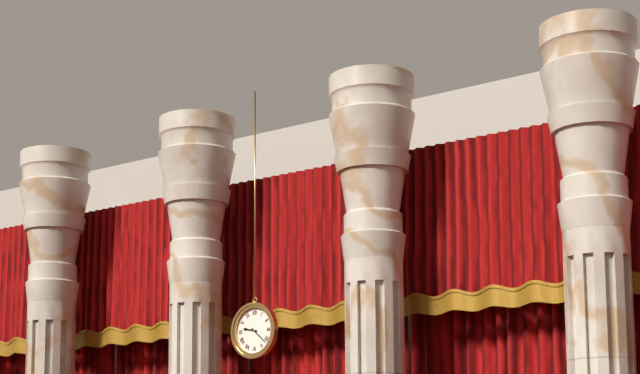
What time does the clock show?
9:22
